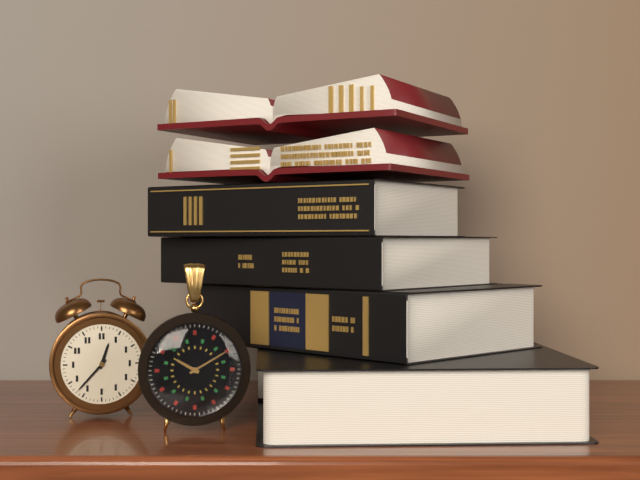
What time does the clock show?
12:37
